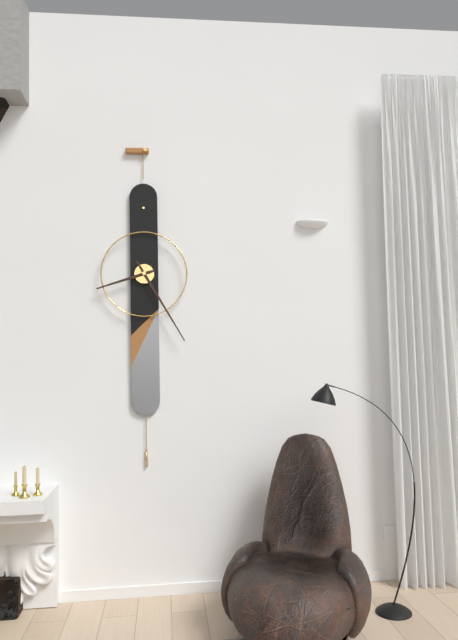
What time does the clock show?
8:25
